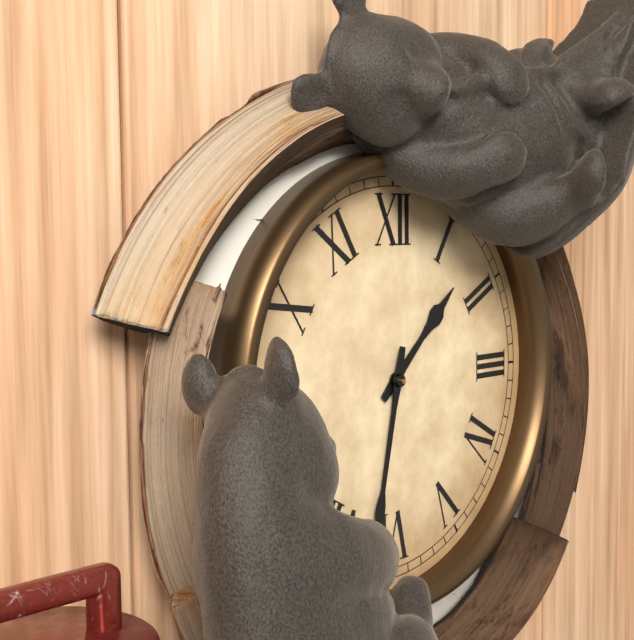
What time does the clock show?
1:32
